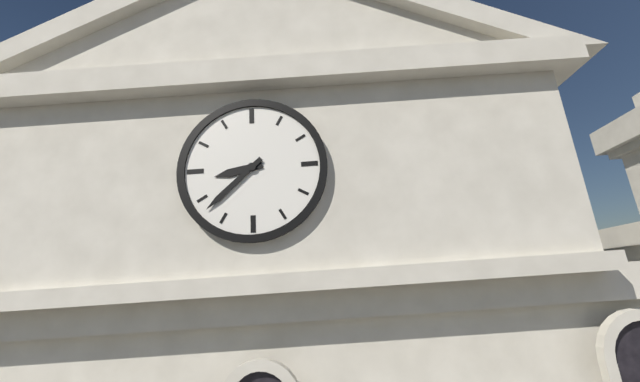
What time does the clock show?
8:38
